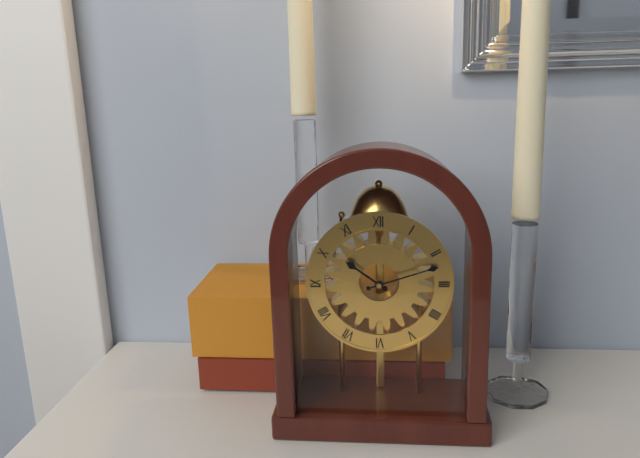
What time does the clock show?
10:12
